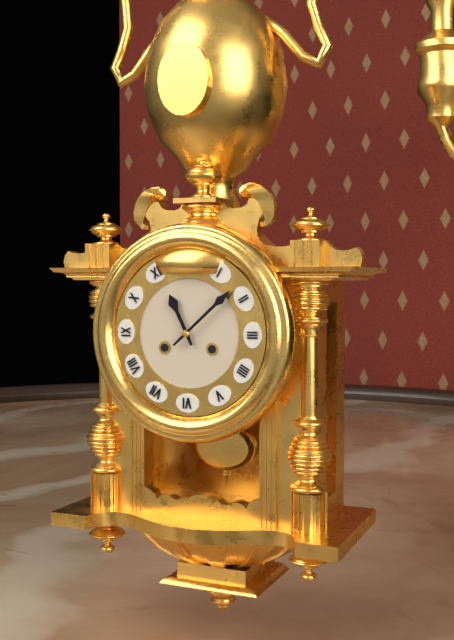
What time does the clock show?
11:08
